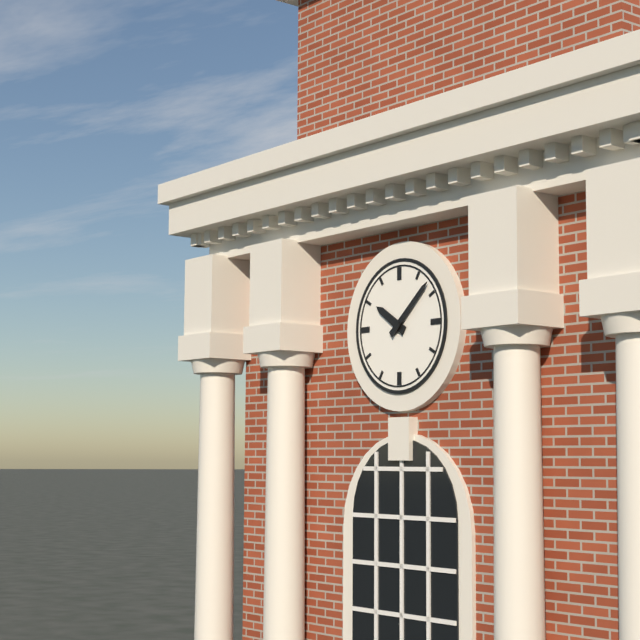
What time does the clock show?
10:08
